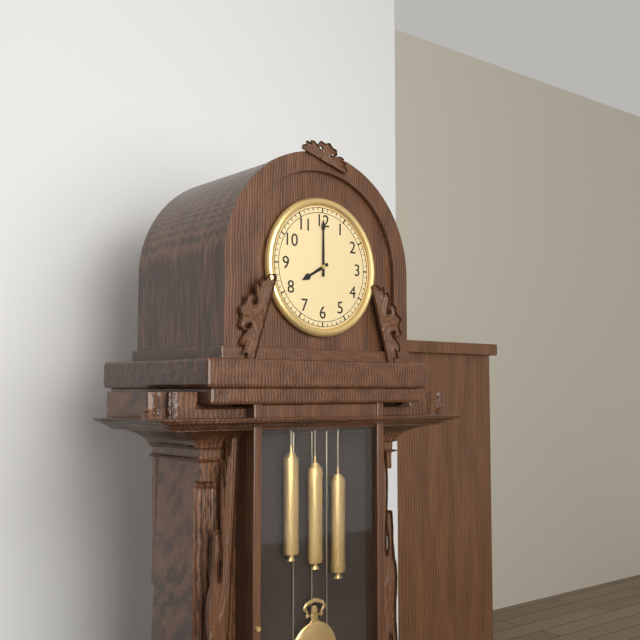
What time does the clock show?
8:00
